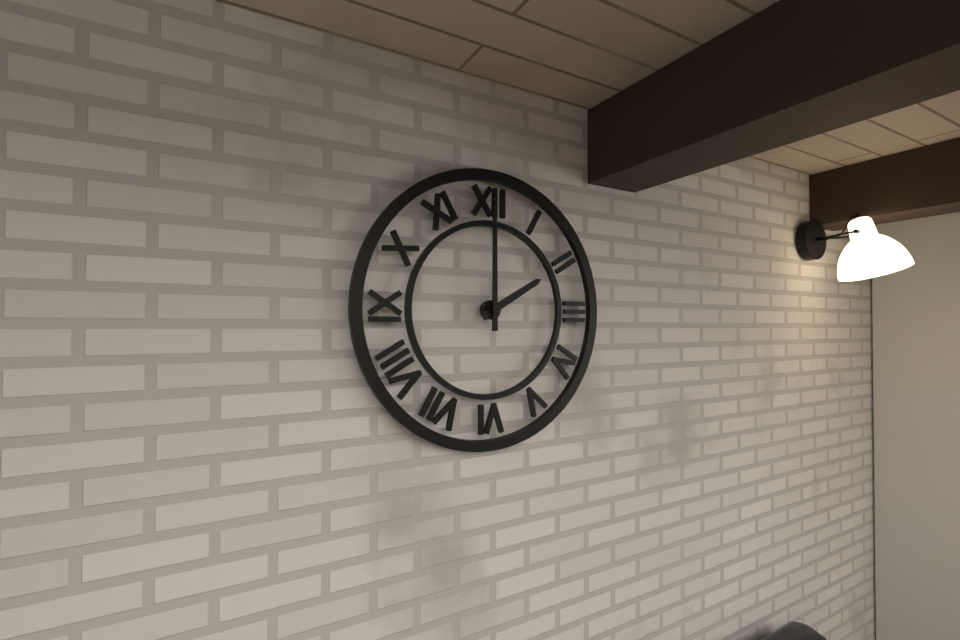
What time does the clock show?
2:00
